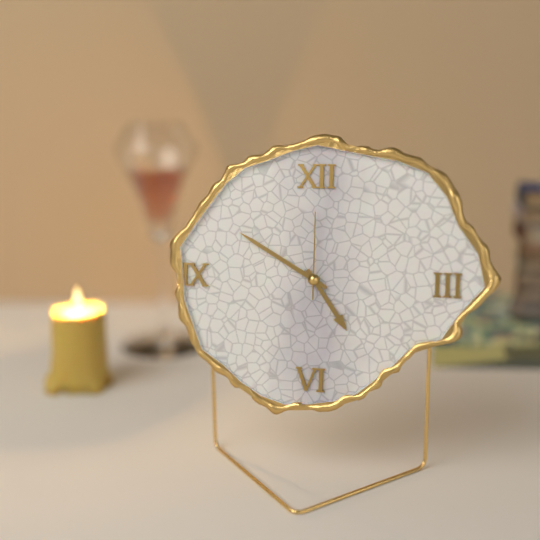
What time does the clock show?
4:50:00
